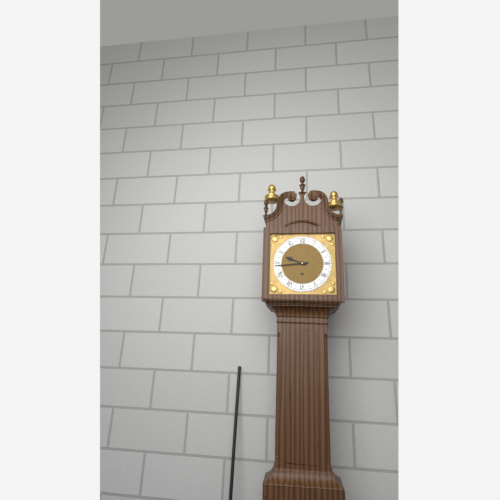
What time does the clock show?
9:44
